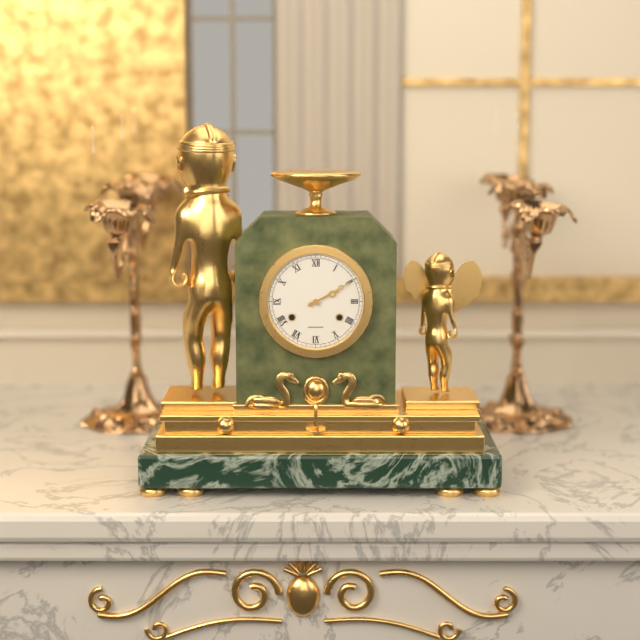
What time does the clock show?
2:10
